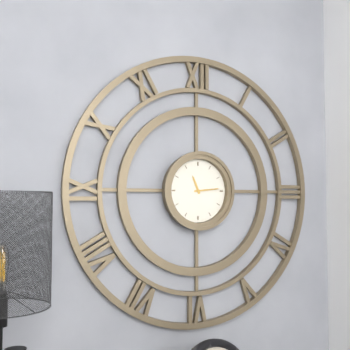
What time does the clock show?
11:14
